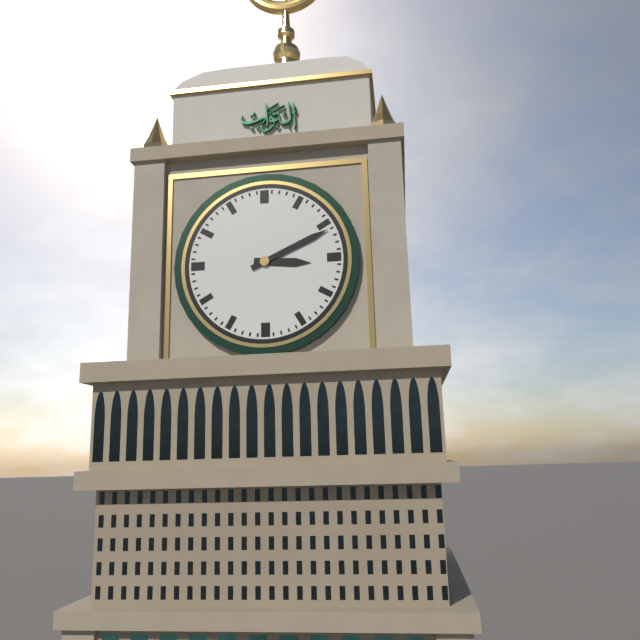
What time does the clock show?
3:11
